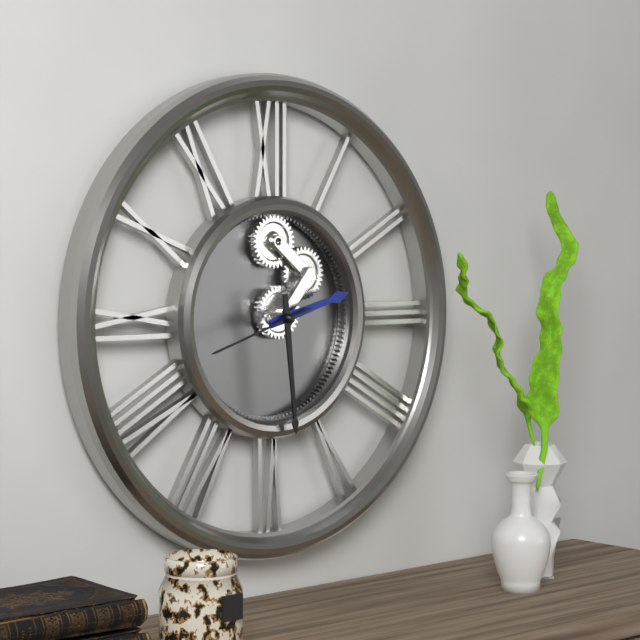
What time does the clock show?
2:29:42
